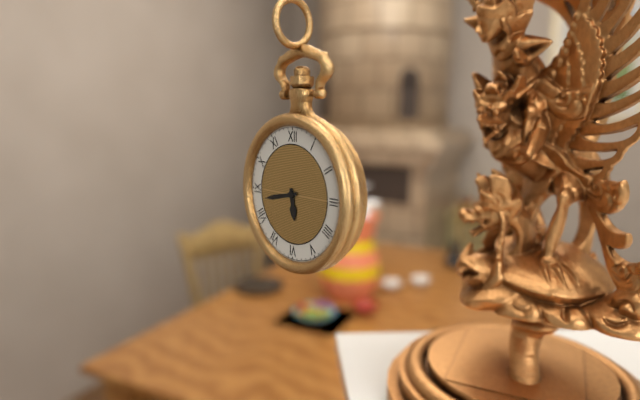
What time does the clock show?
5:43
